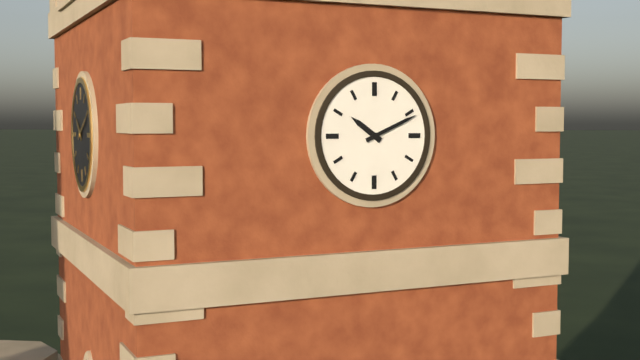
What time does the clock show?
10:11
